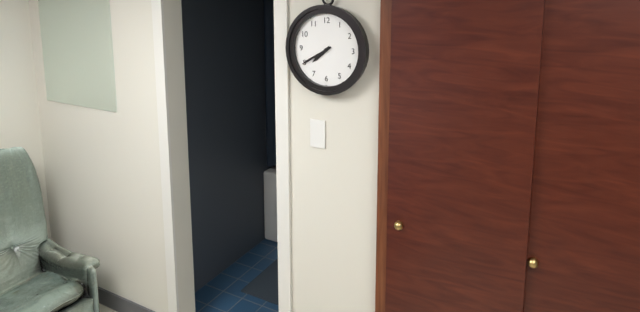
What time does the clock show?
7:40
